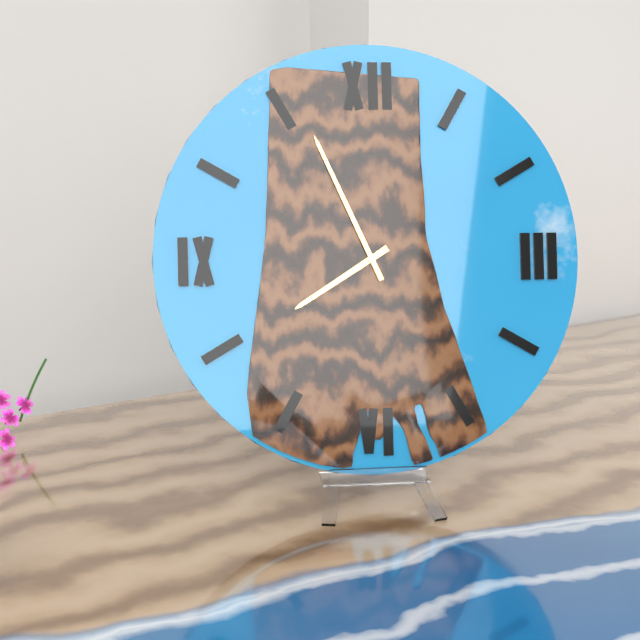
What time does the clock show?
7:56
